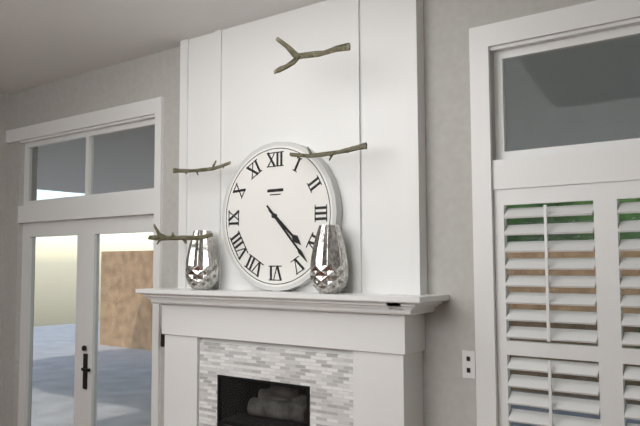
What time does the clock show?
4:23
